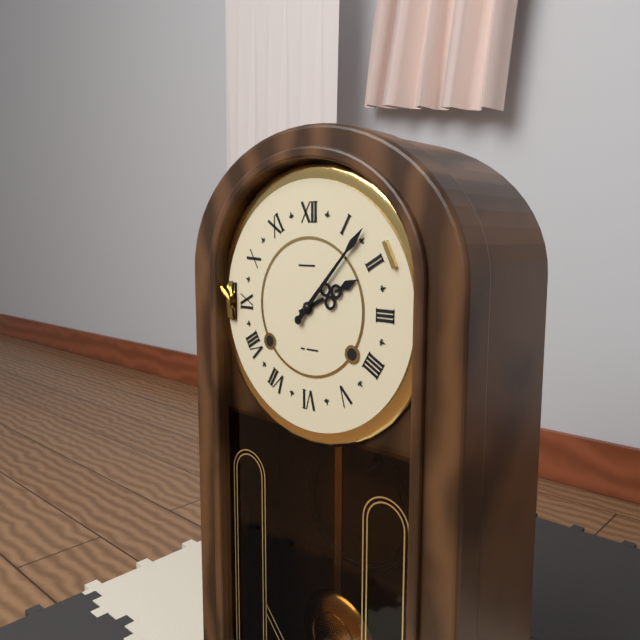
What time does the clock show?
2:07
